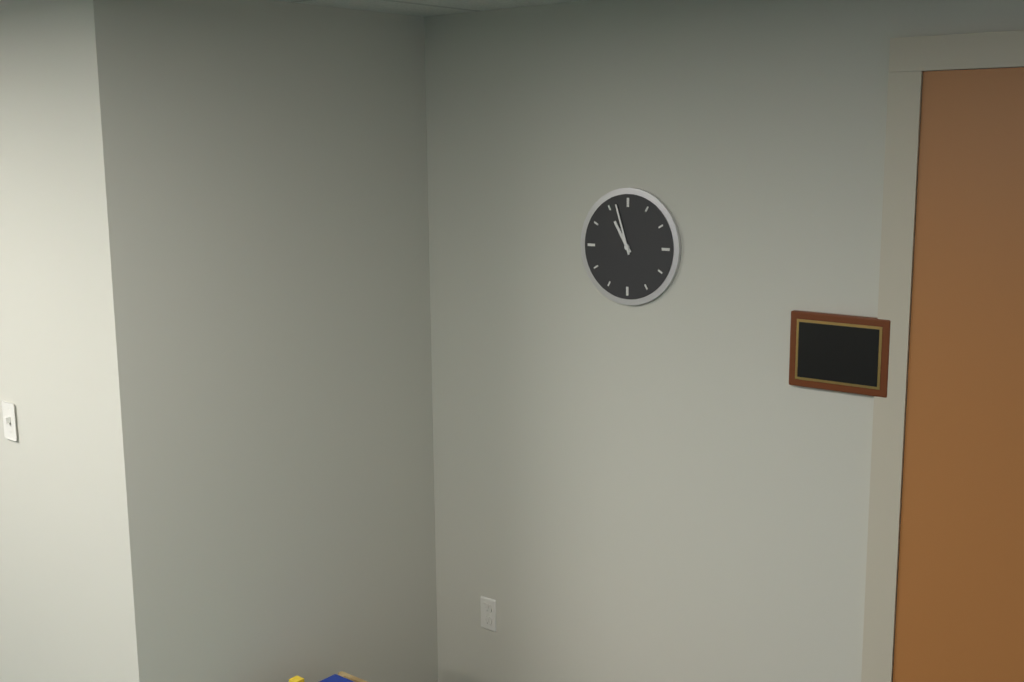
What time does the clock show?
10:57
